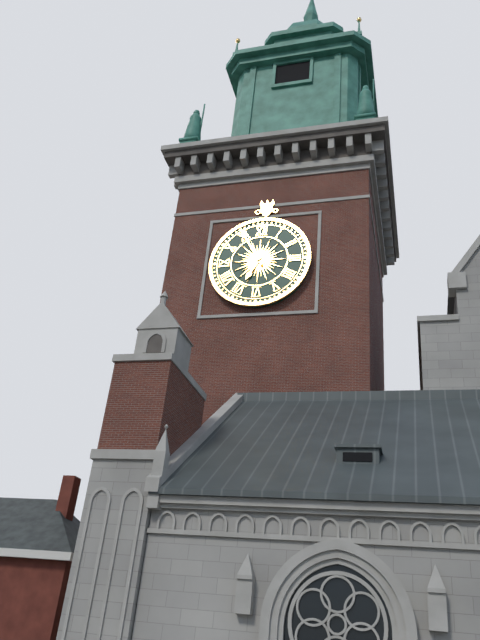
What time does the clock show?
6:55
